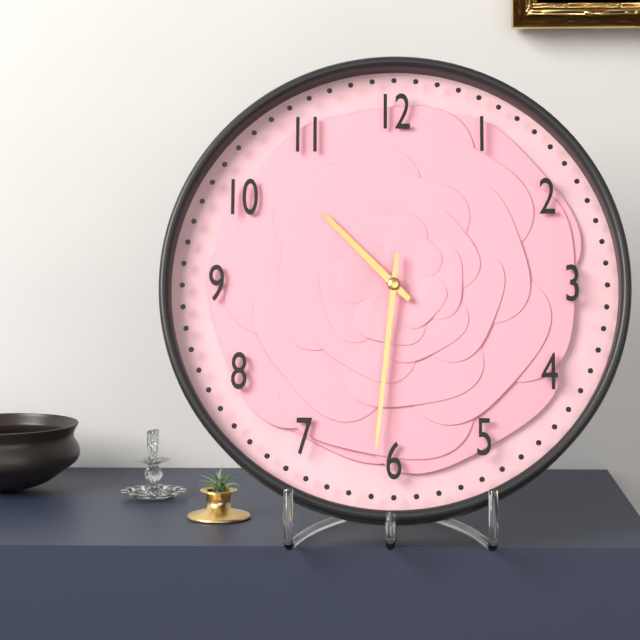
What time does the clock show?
10:31
